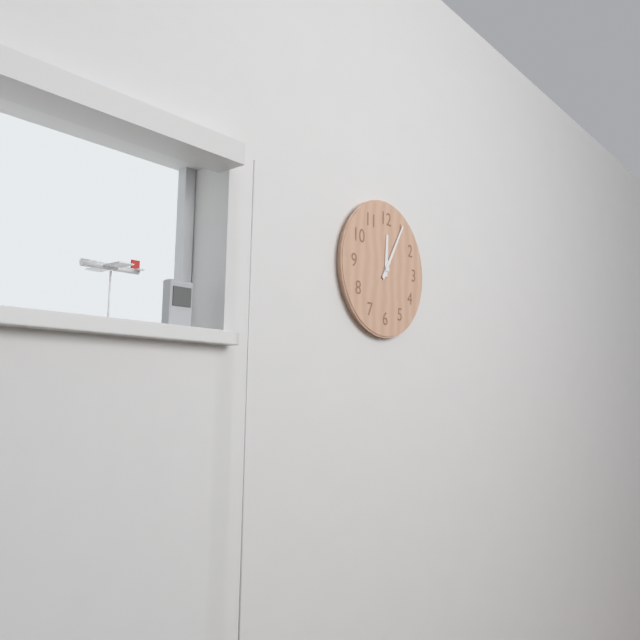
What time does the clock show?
12:05
